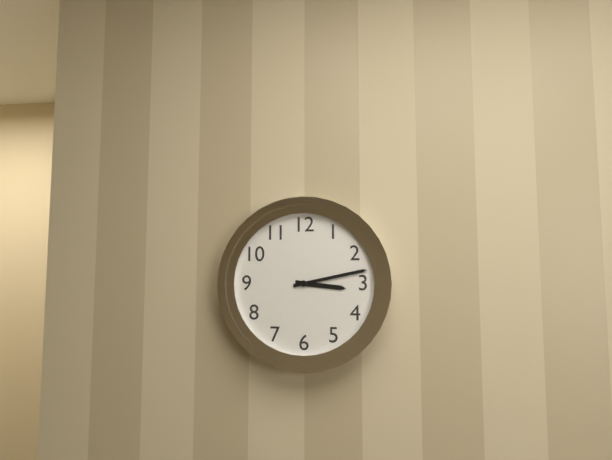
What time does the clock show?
3:13
